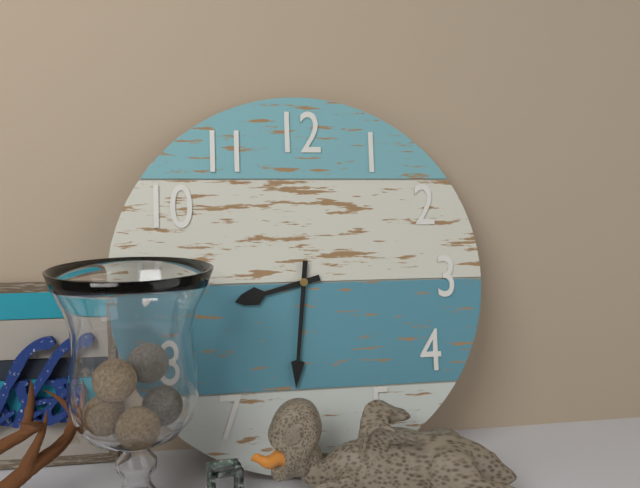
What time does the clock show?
8:31
